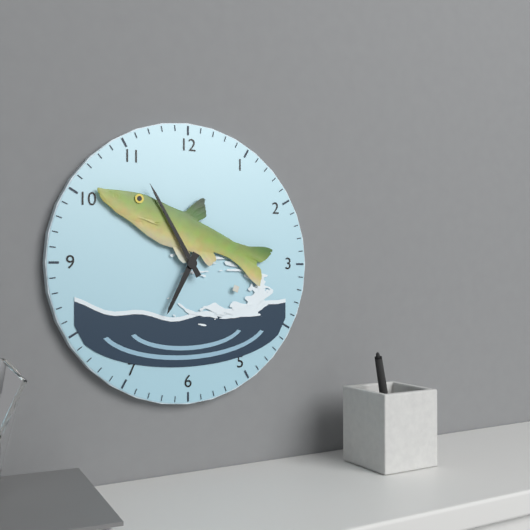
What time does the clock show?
6:55
